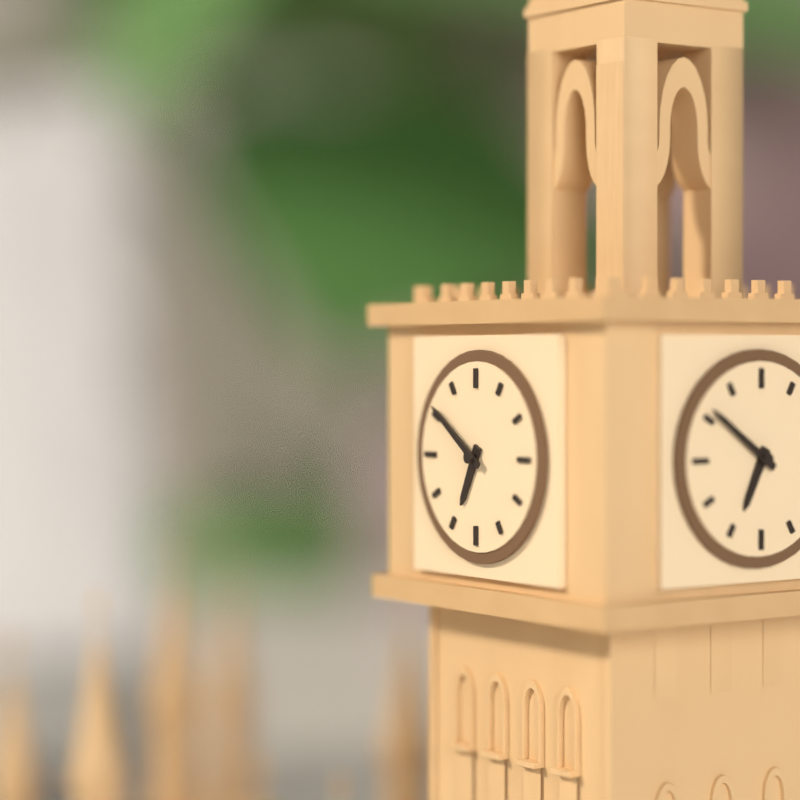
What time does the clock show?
6:51
